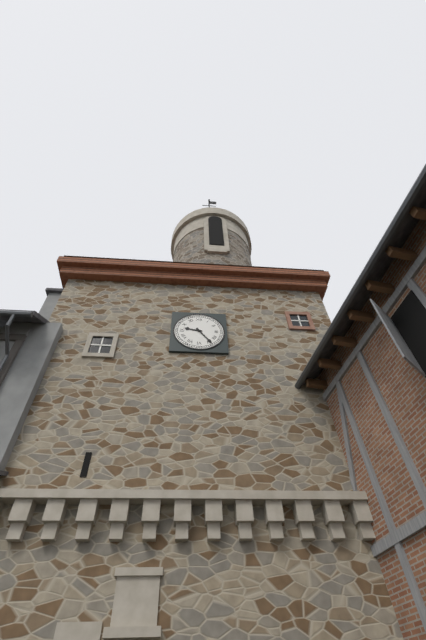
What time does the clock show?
9:24
